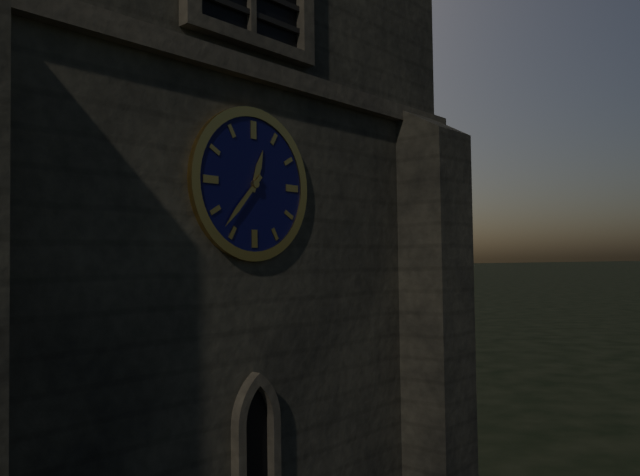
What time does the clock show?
12:37
